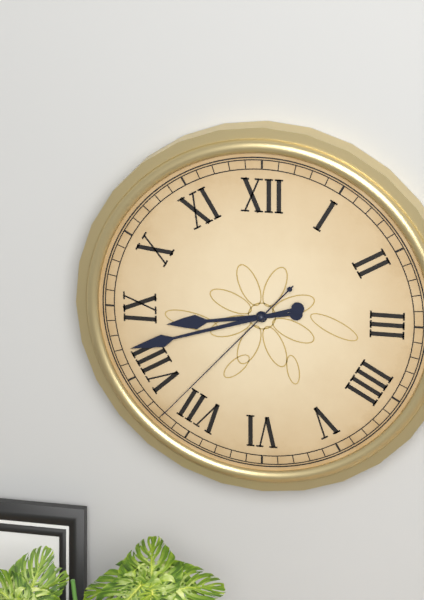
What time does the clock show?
8:42:37
